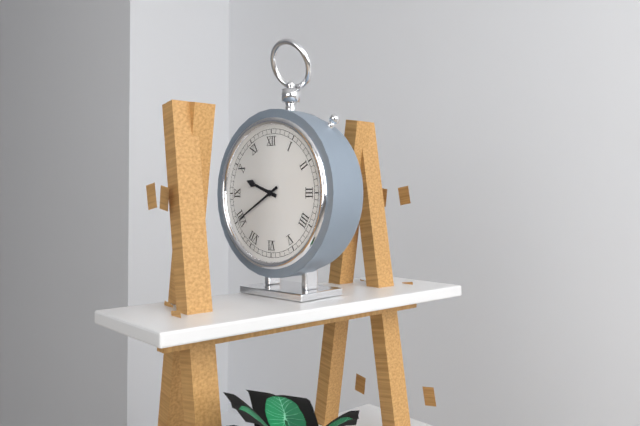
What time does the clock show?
9:40
